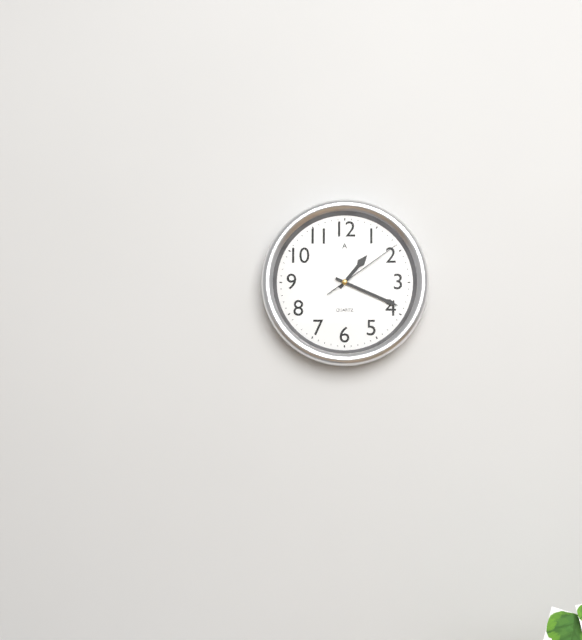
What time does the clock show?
1:19:09
